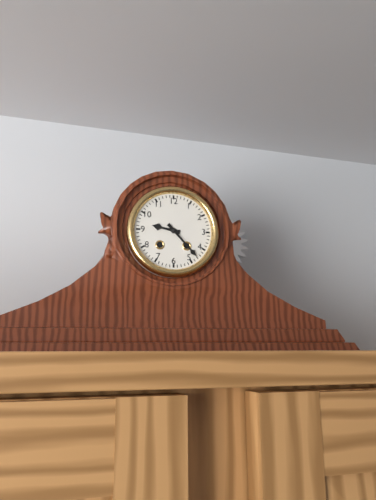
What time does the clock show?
9:23
